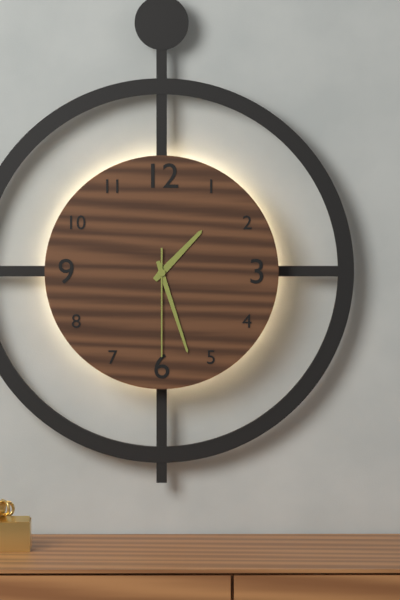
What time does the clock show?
1:27:30
